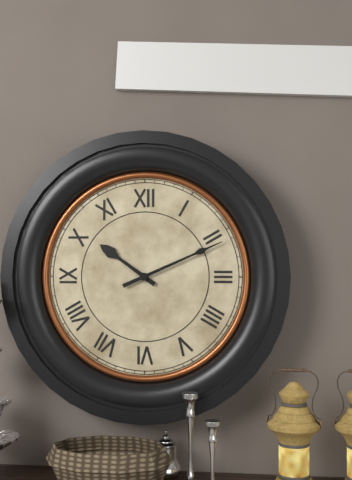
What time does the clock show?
10:11
